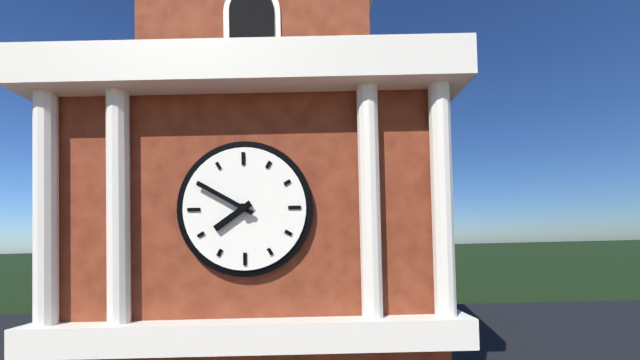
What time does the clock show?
7:50
